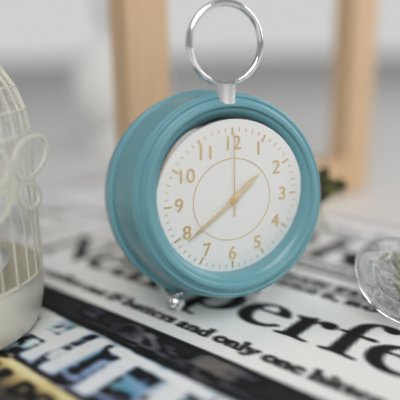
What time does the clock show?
1:39:00
